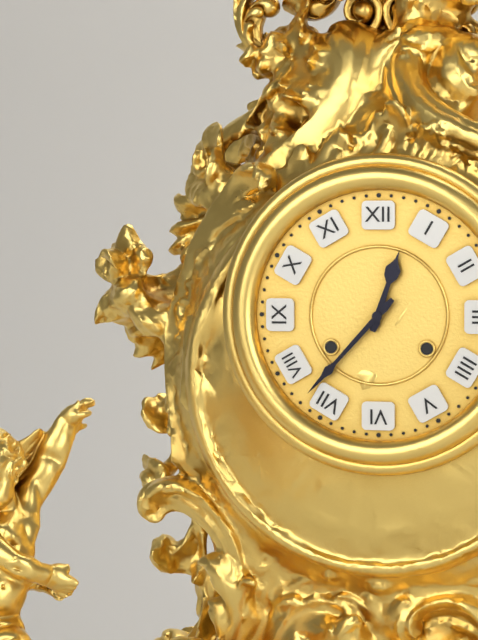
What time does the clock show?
12:37
